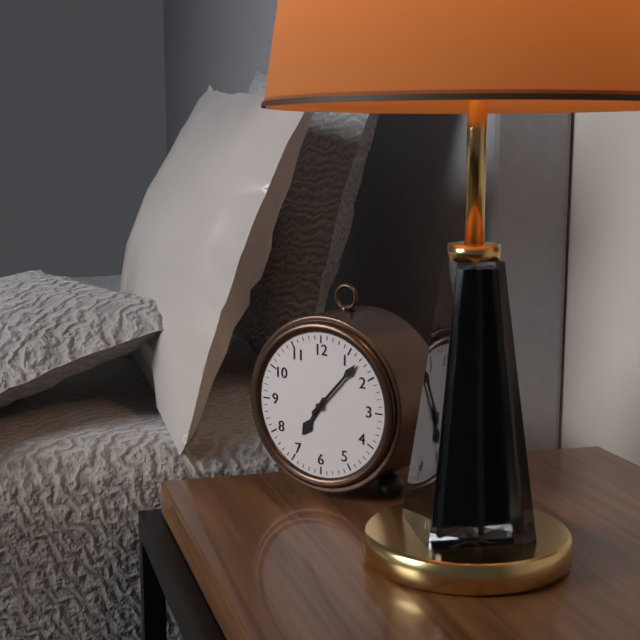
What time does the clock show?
7:07
